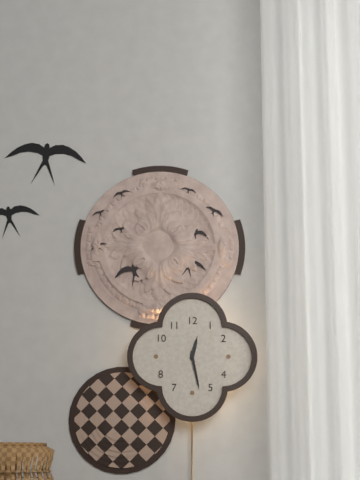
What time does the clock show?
12:28
